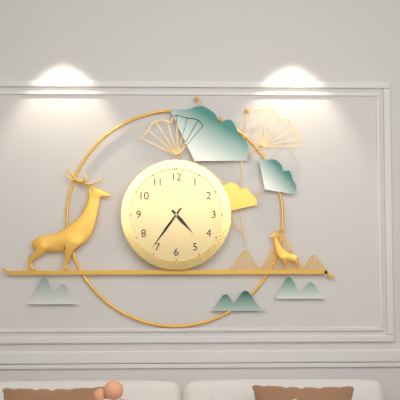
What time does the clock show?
4:36
